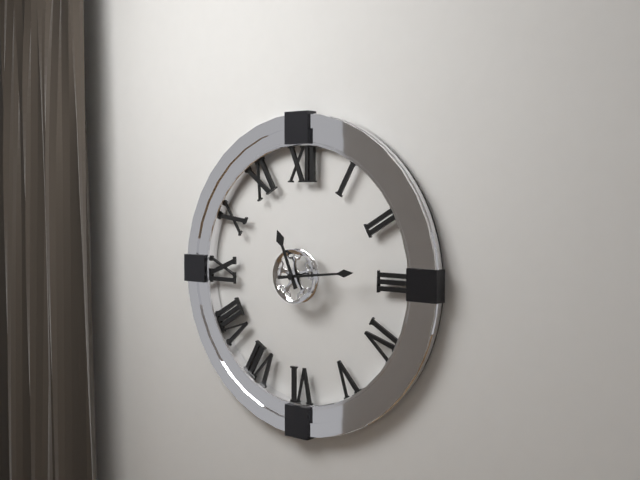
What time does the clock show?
11:14
